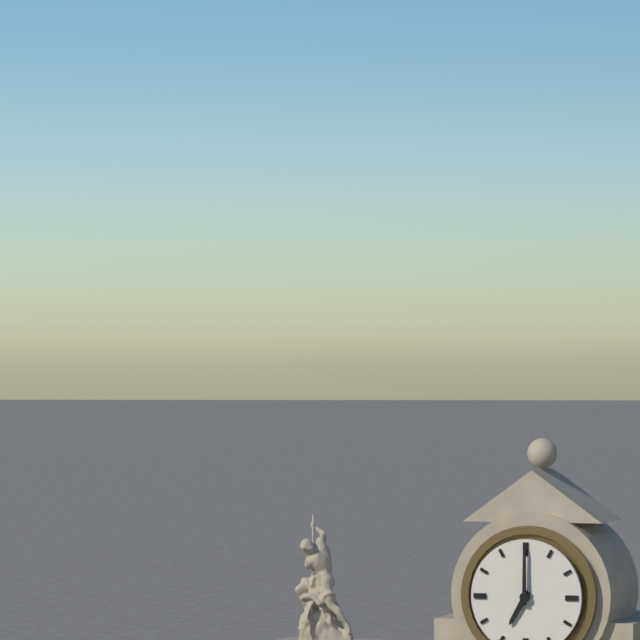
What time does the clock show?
7:00
